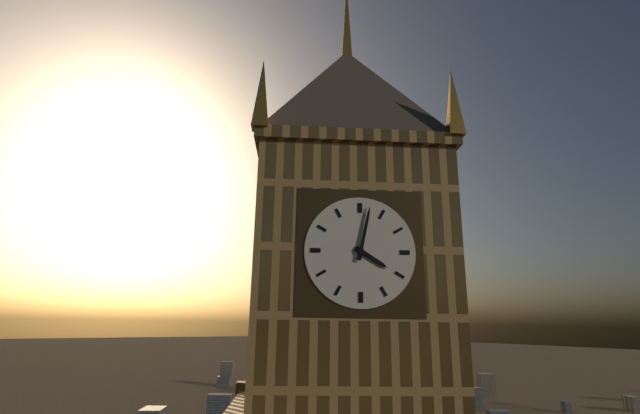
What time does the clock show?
4:02
